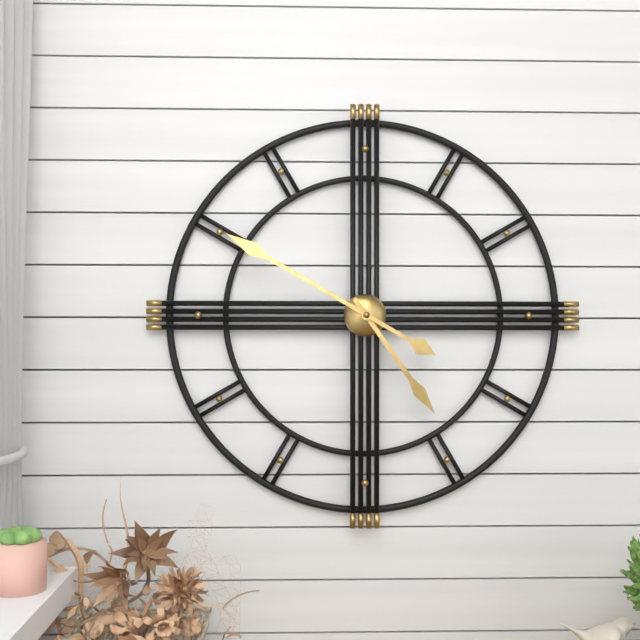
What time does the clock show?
4:50
